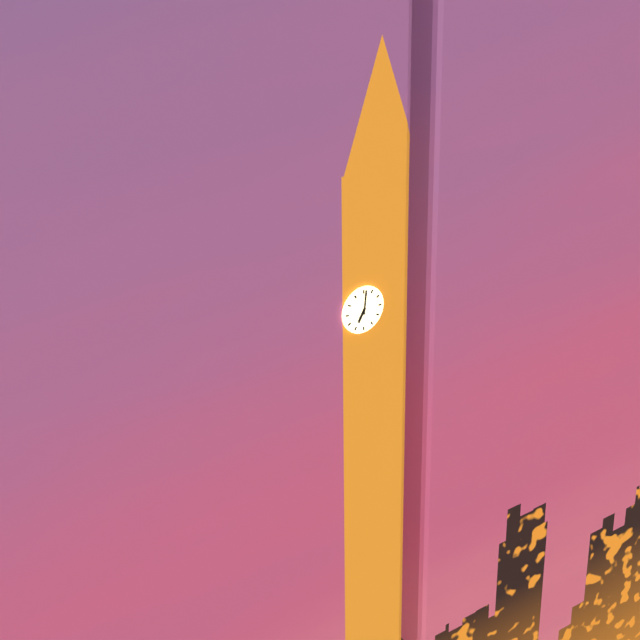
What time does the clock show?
7:01
